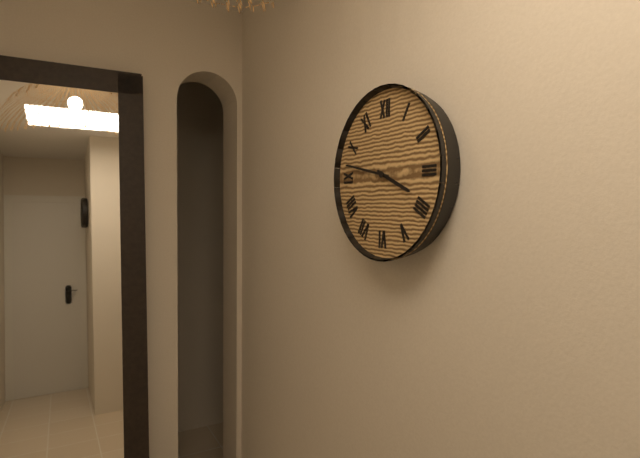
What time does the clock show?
3:47
